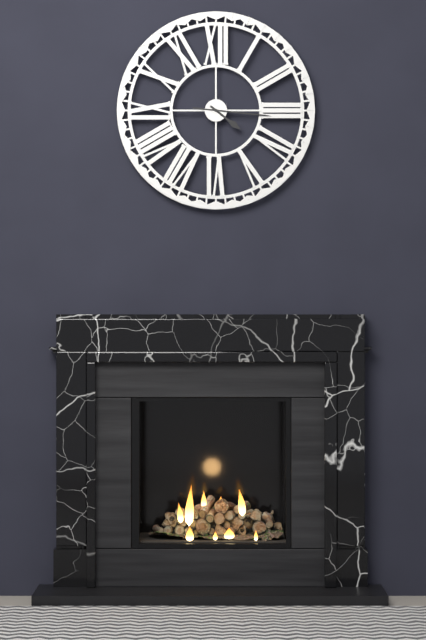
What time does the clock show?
4:16
